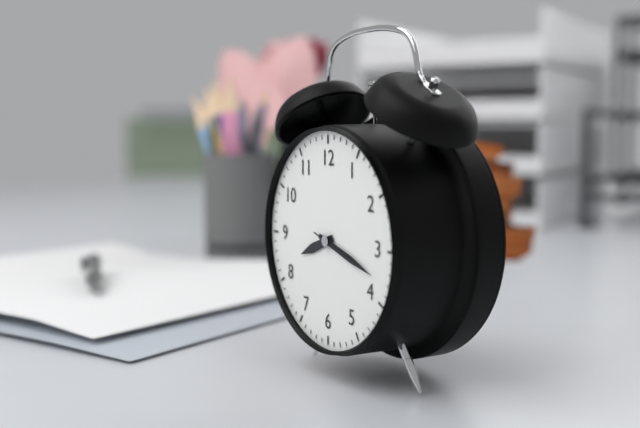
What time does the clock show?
8:18:18
